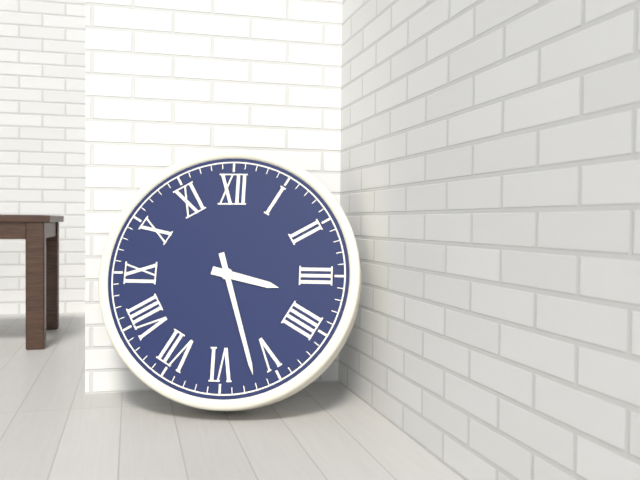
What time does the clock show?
3:27
